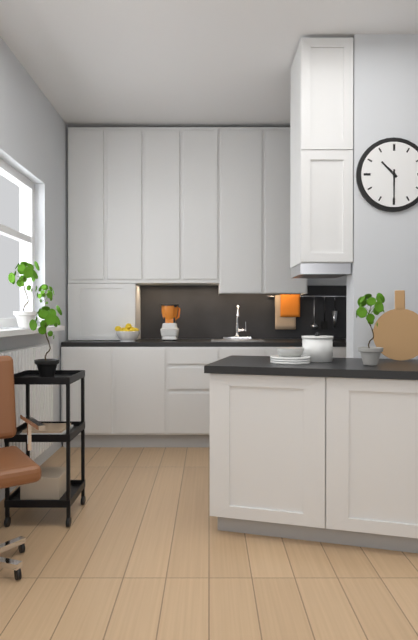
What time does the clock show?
10:30
